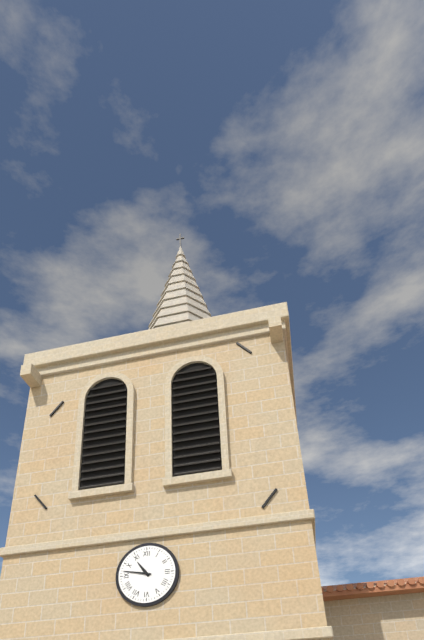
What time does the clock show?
10:47
